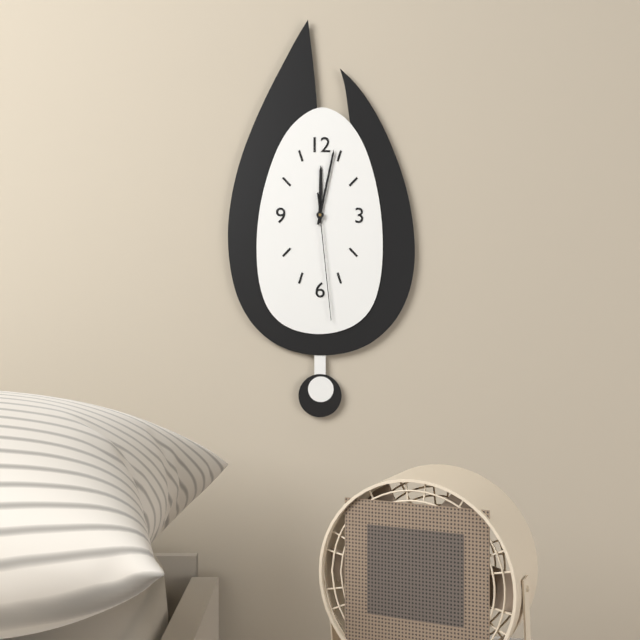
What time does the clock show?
12:02:29
